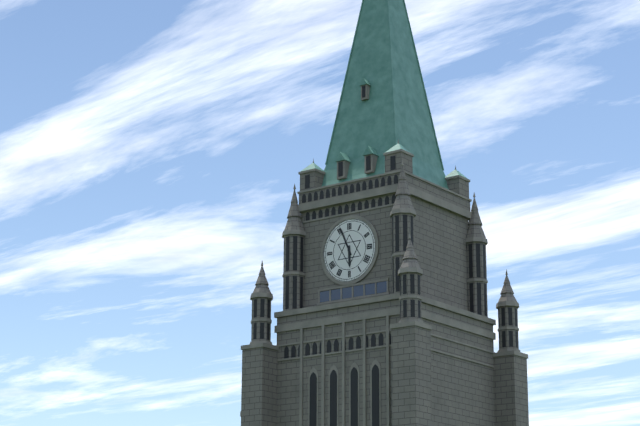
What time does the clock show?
5:56
